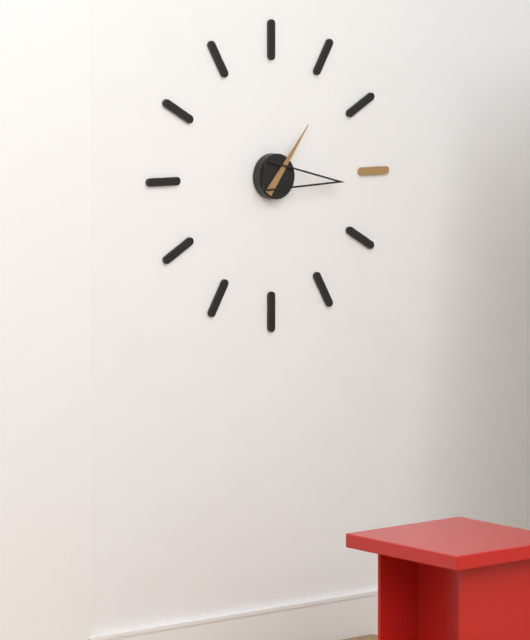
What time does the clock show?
1:16
